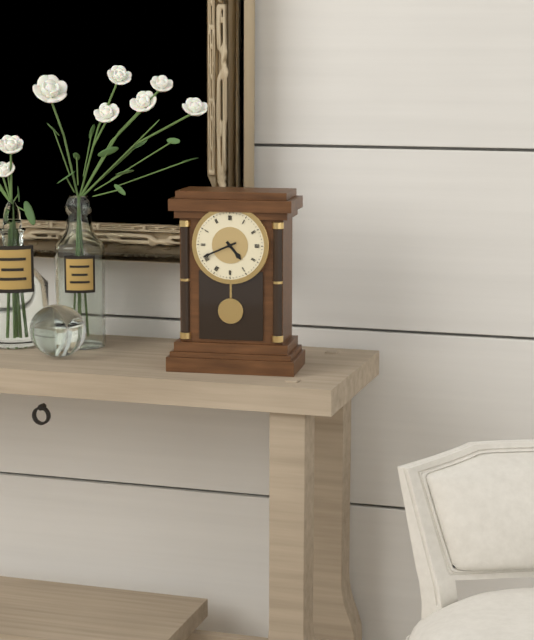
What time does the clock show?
4:41
